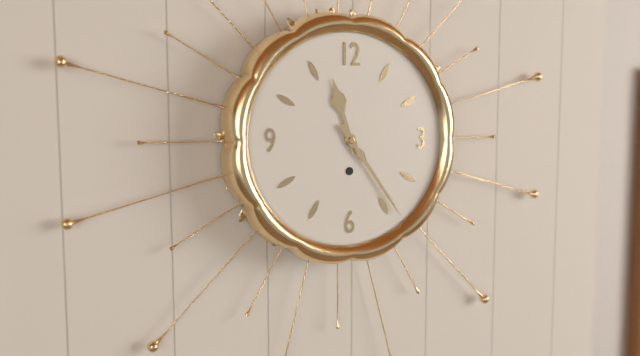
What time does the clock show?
11:24
